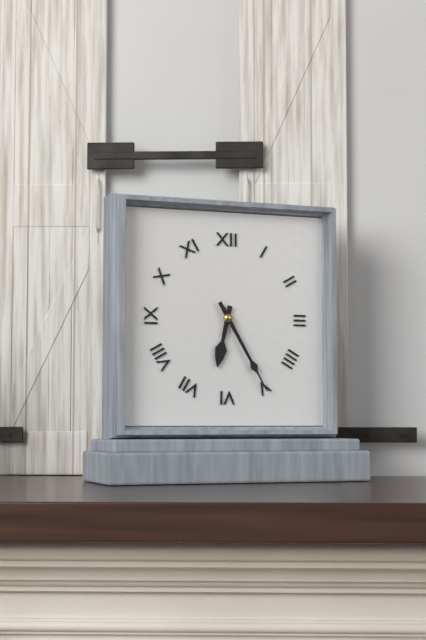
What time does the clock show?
6:25
